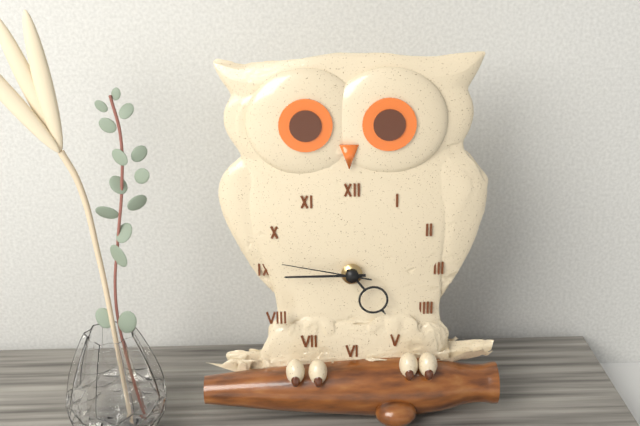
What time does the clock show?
4:45:47
